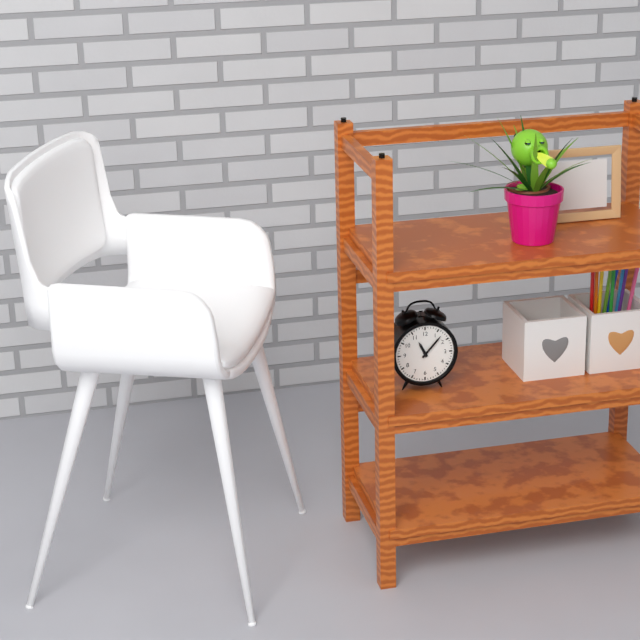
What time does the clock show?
11:07
